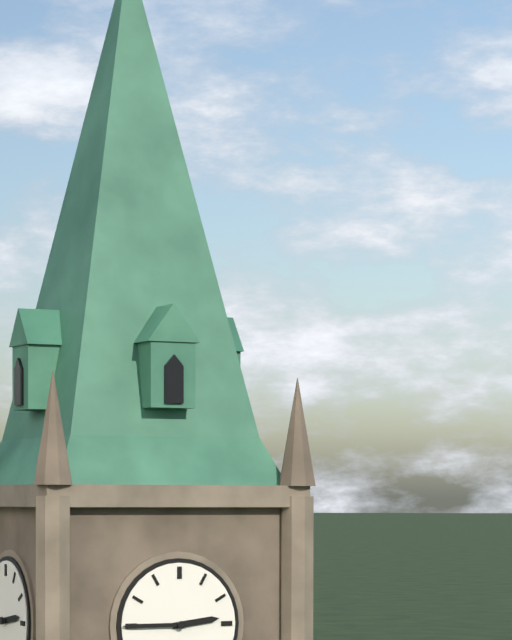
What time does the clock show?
2:45
